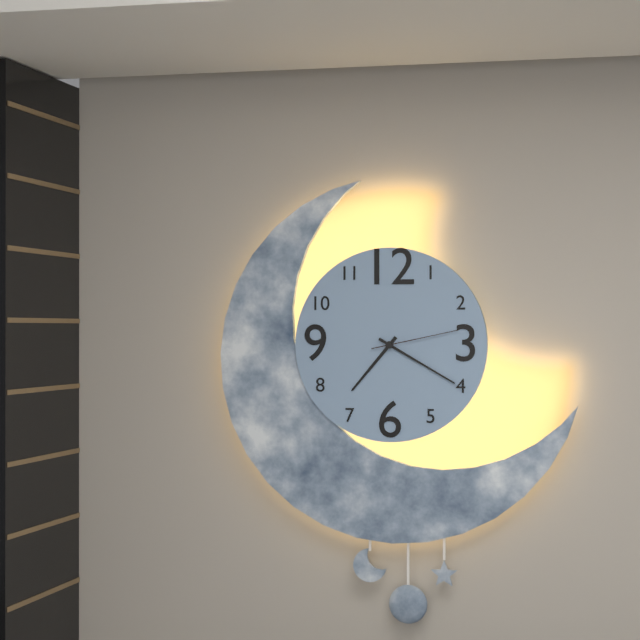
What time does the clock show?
7:20:13
